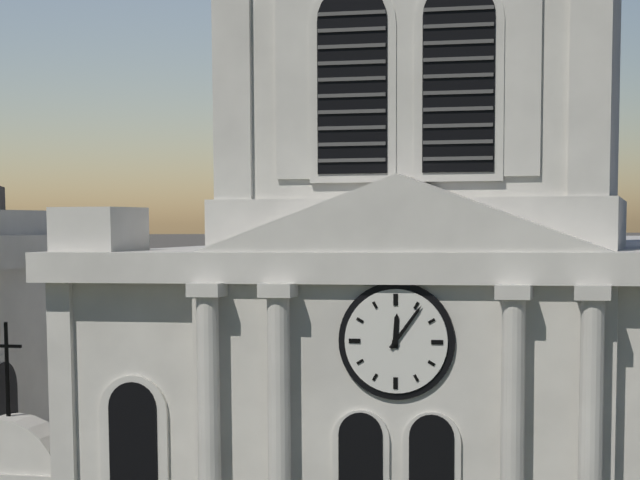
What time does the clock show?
12:06
